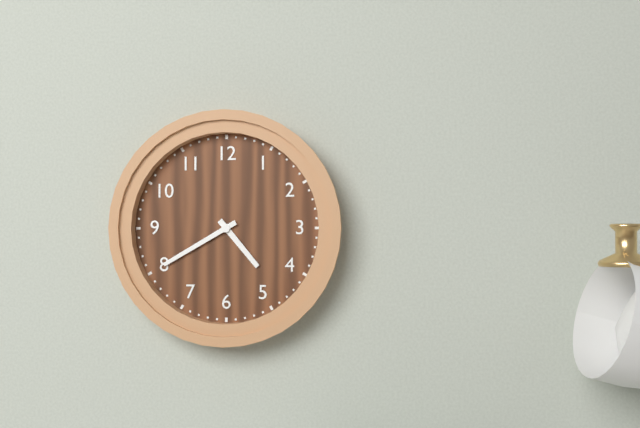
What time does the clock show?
4:40
